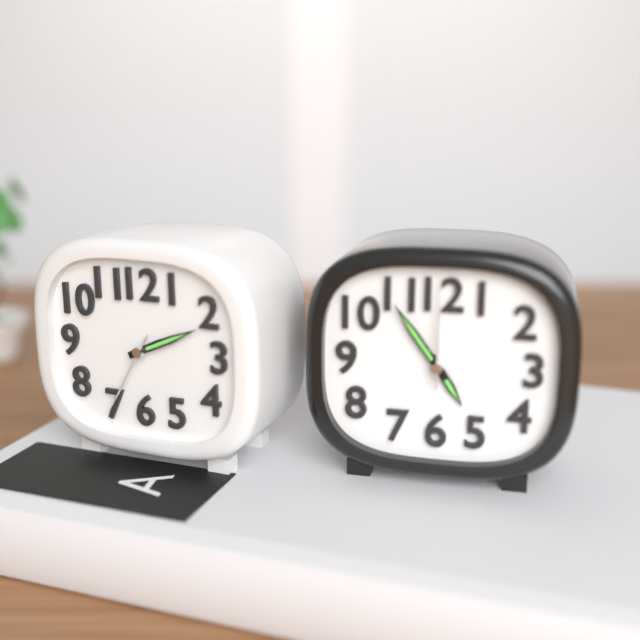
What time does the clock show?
2:11:35
